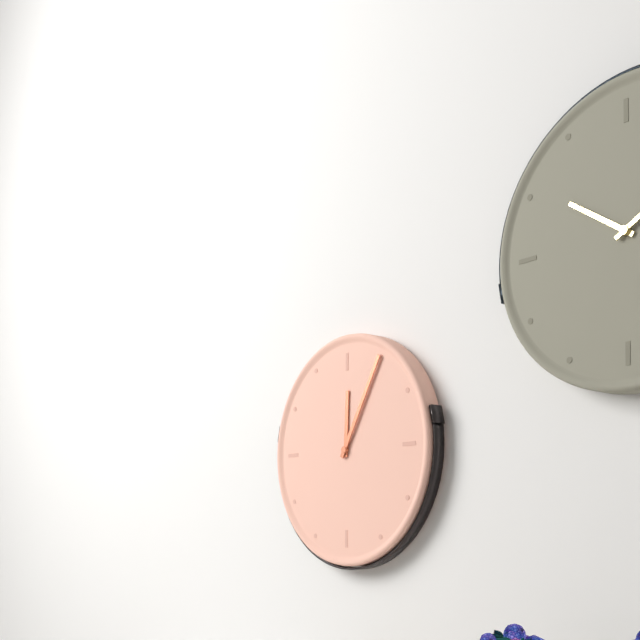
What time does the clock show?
12:05
